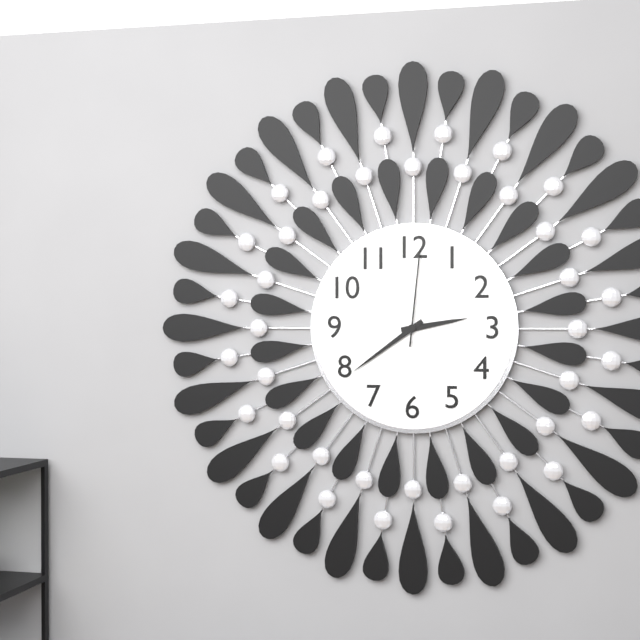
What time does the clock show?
2:39:01
